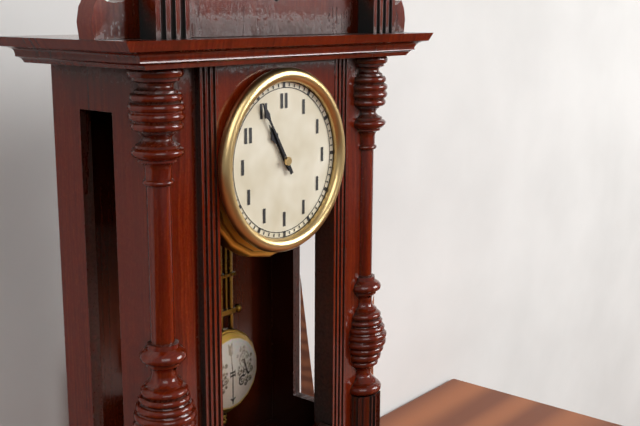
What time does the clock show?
10:55
